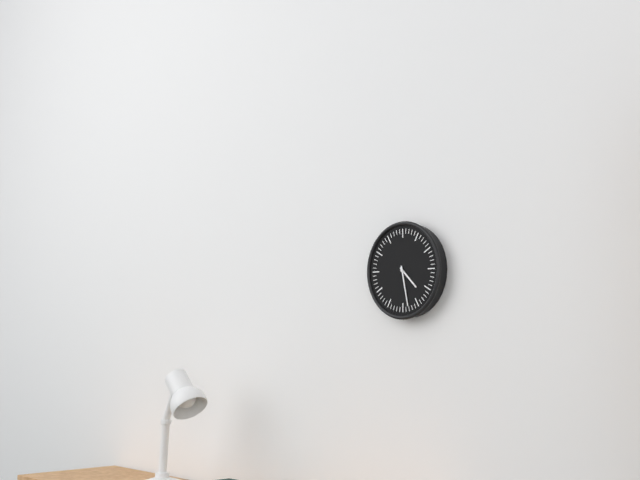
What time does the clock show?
4:28
